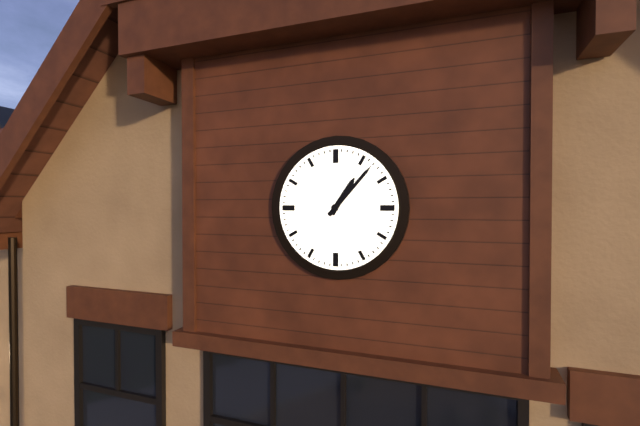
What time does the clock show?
1:07
